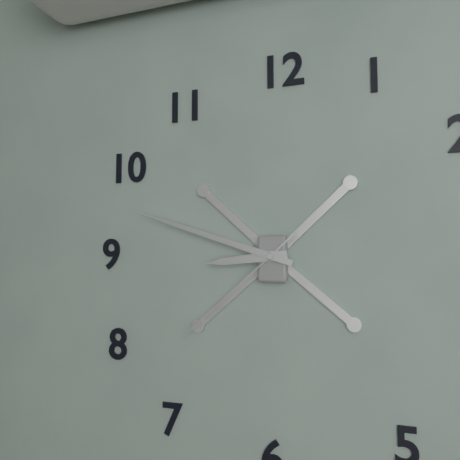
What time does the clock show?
8:48:38
